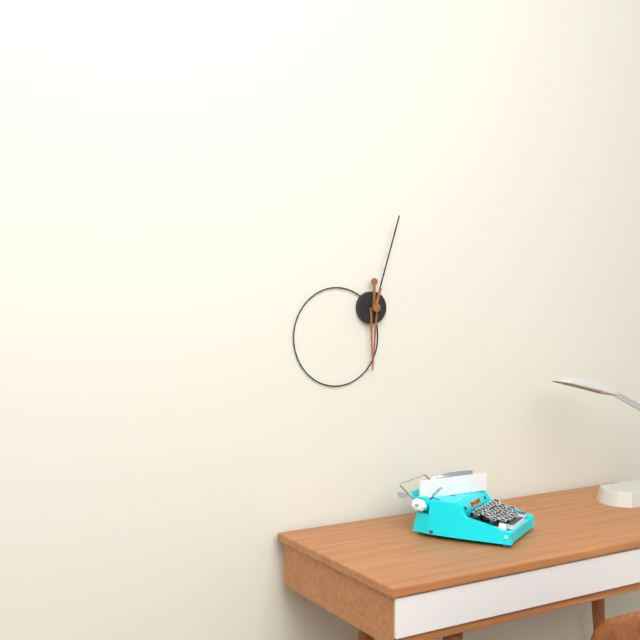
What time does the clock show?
6:03
